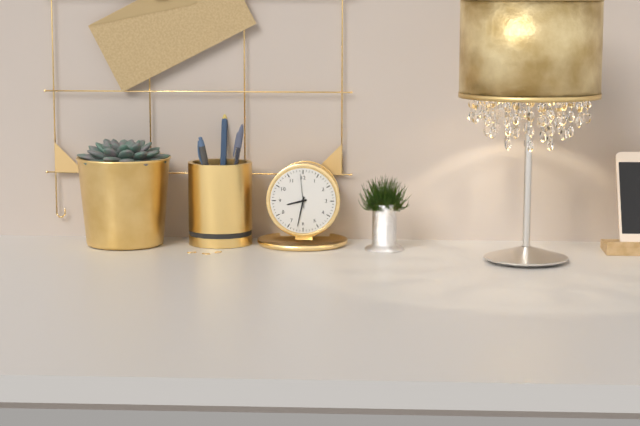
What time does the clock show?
8:32
